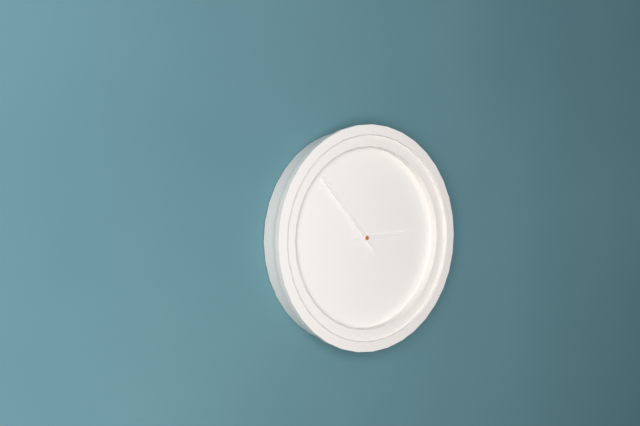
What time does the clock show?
2:53
